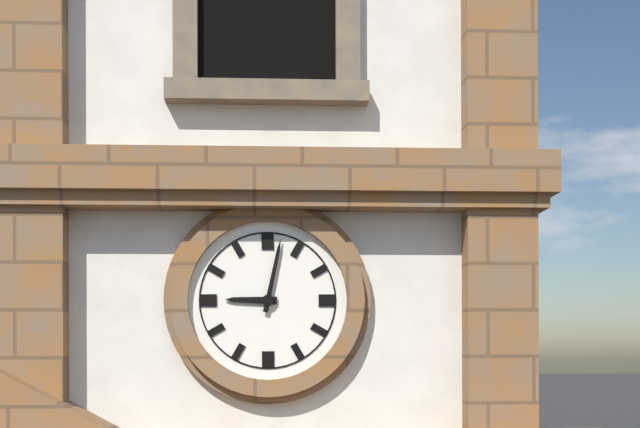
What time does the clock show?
9:02
